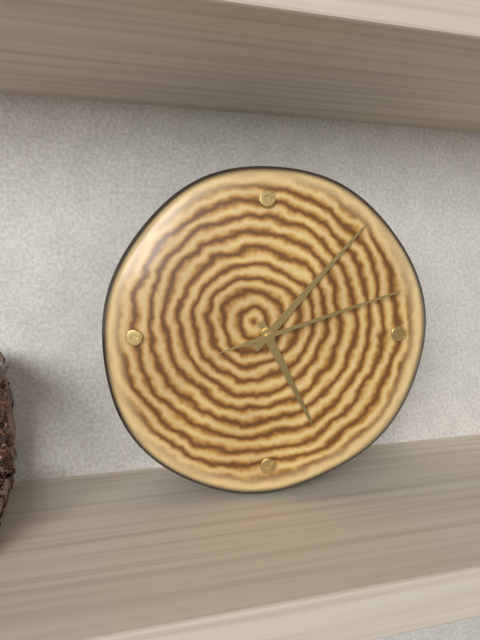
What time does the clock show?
5:07:12
